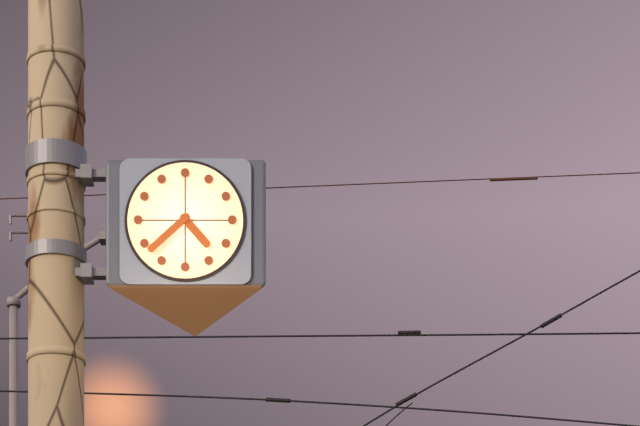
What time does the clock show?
4:38
